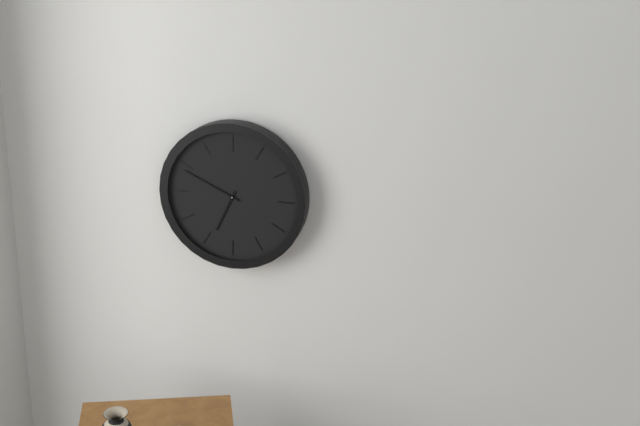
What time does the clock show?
6:49
